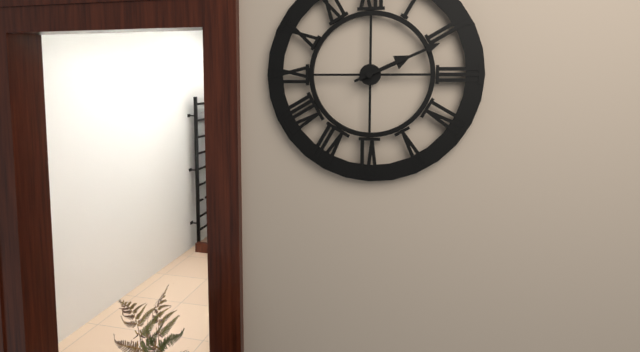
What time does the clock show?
2:11
